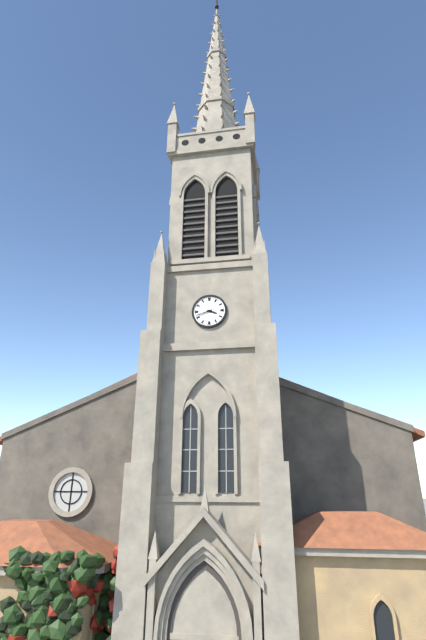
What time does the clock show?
3:42
